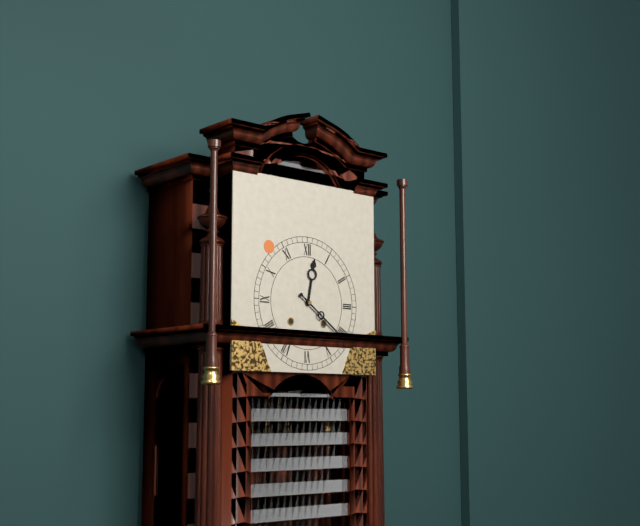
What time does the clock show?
12:21
